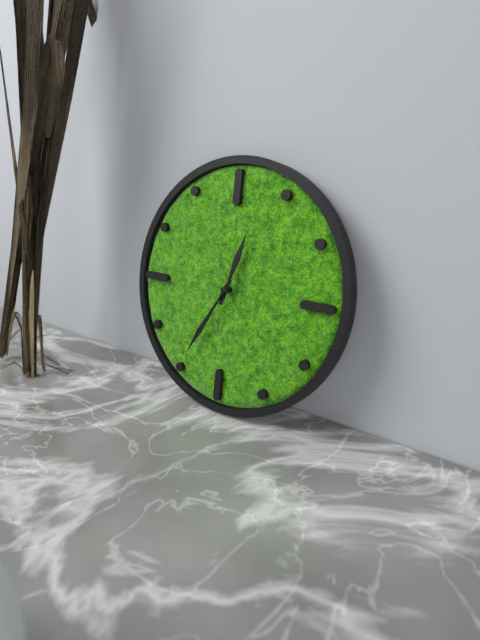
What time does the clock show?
12:35
